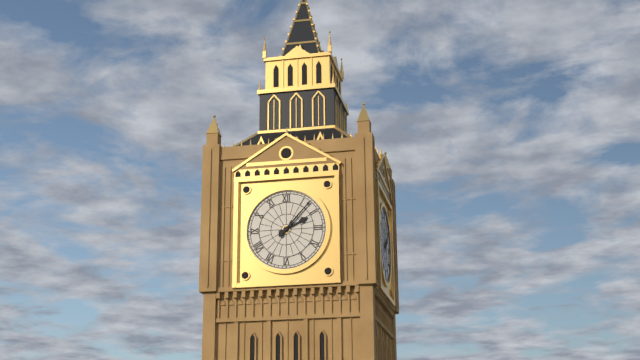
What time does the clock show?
2:07
